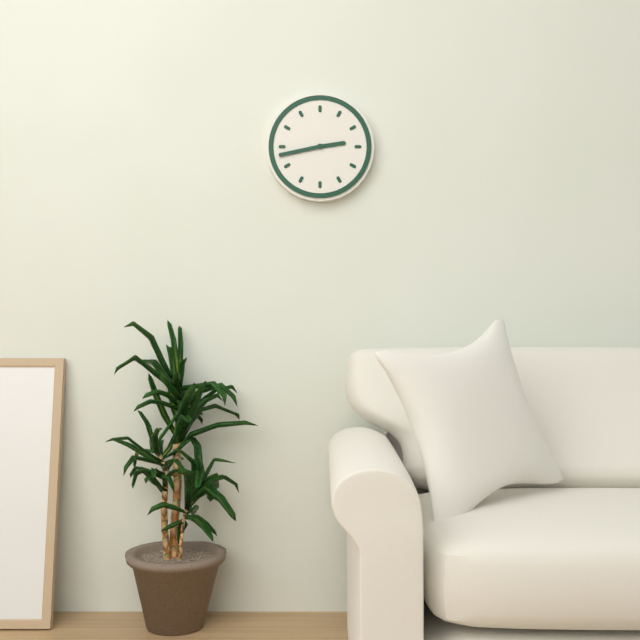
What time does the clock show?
2:43
